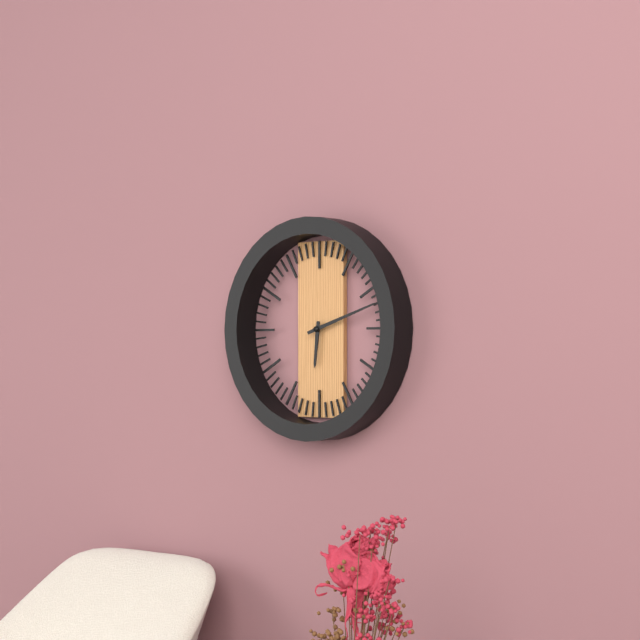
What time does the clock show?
6:12
